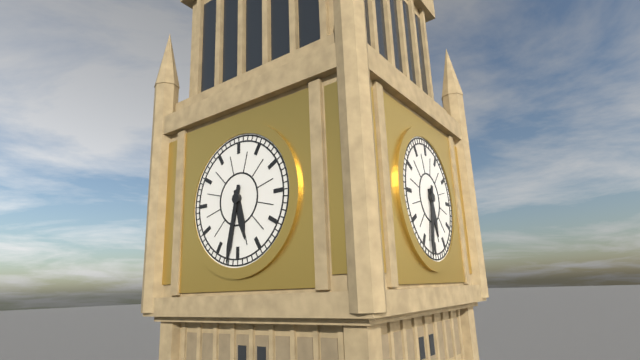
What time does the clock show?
5:32
